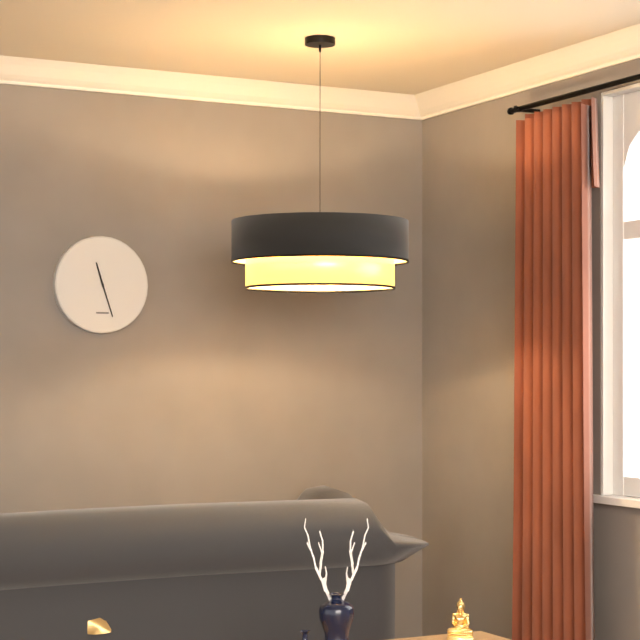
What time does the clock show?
11:27
